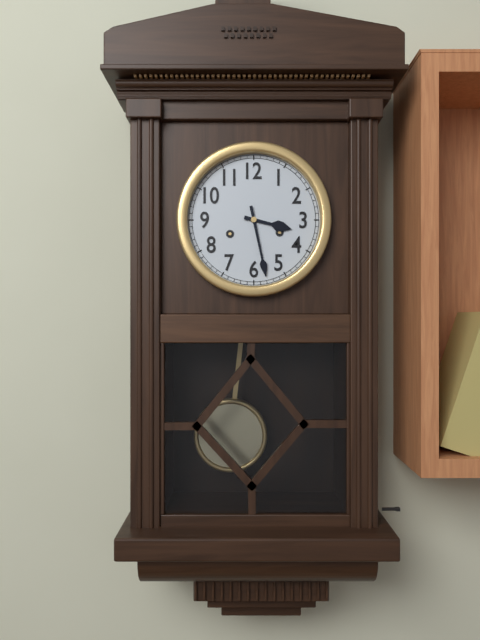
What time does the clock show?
3:28
